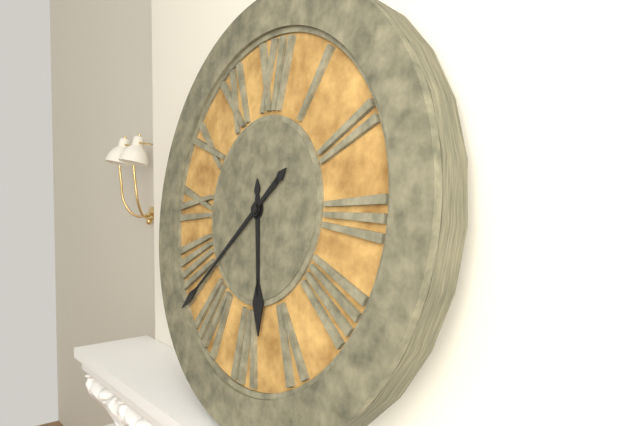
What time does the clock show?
5:38
